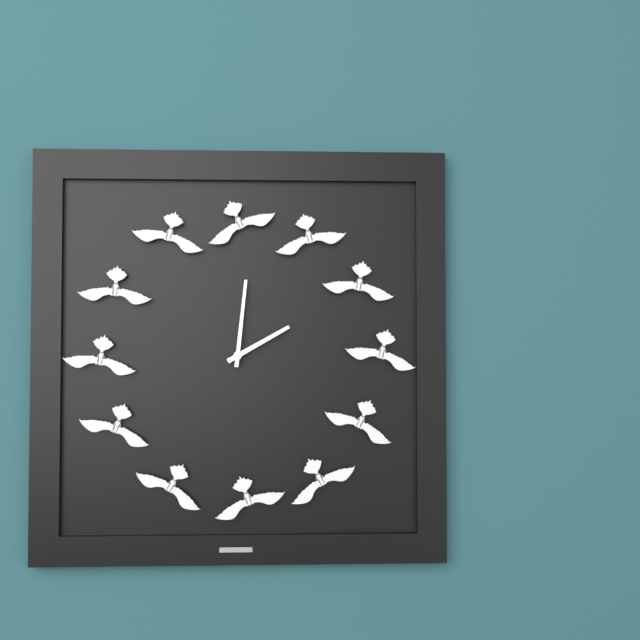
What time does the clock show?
2:01
